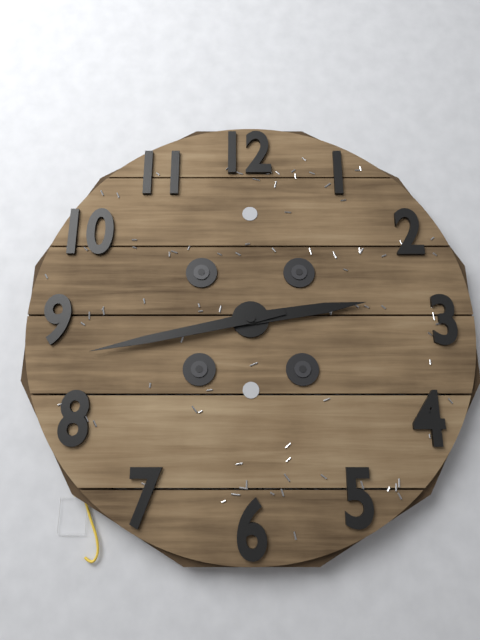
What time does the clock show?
2:43
